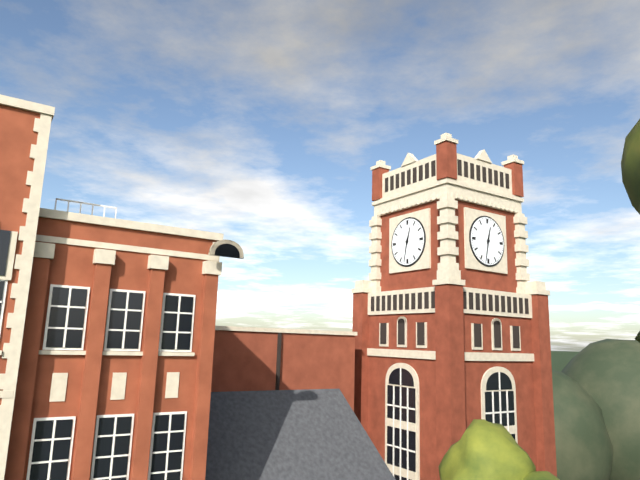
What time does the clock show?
12:32
